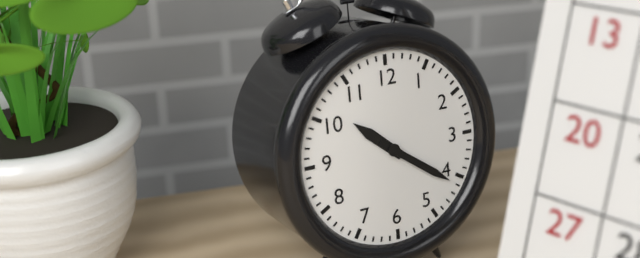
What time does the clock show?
10:21
